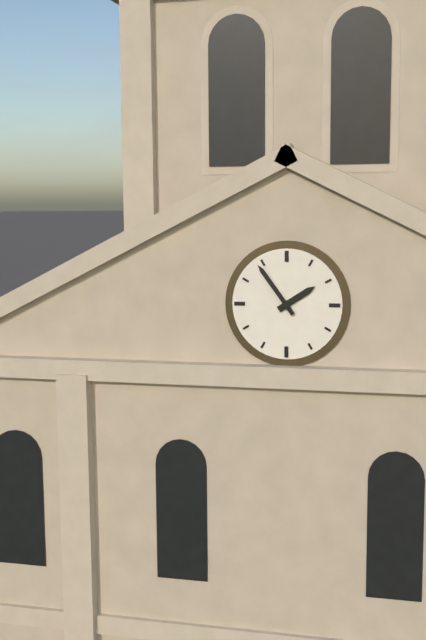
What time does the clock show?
1:54
